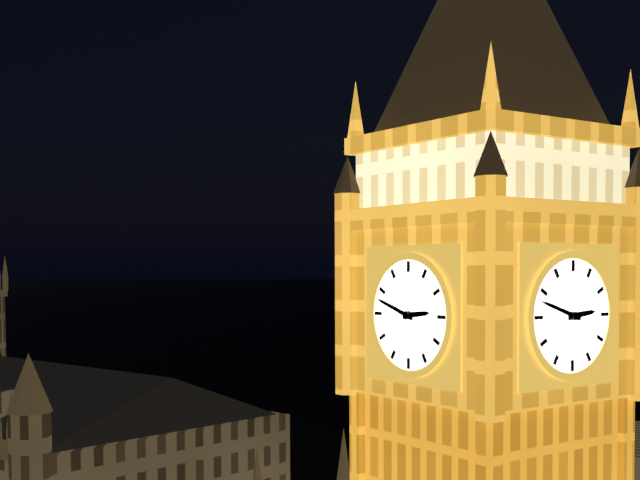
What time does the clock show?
2:48
